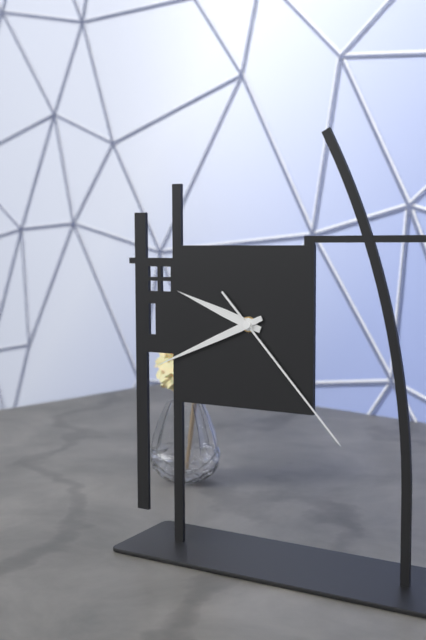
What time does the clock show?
9:41:23
